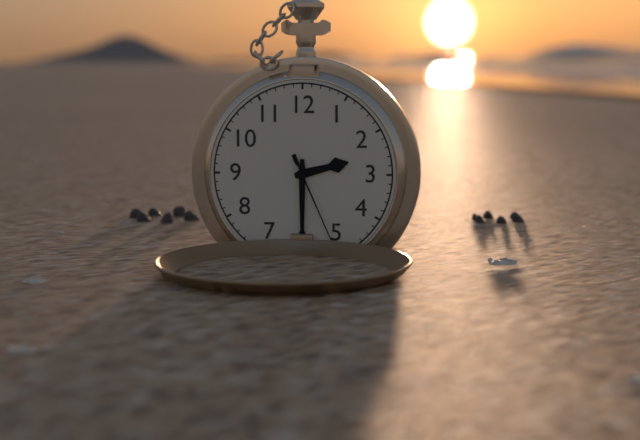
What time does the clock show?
2:30:26
